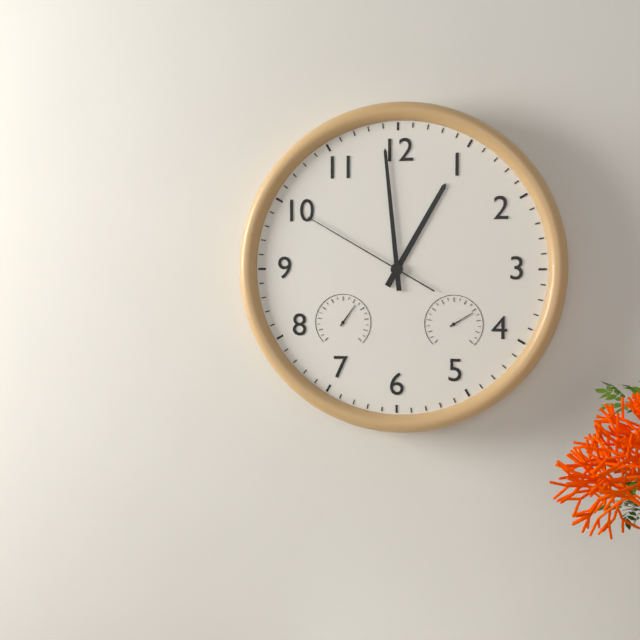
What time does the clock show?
12:59:50
